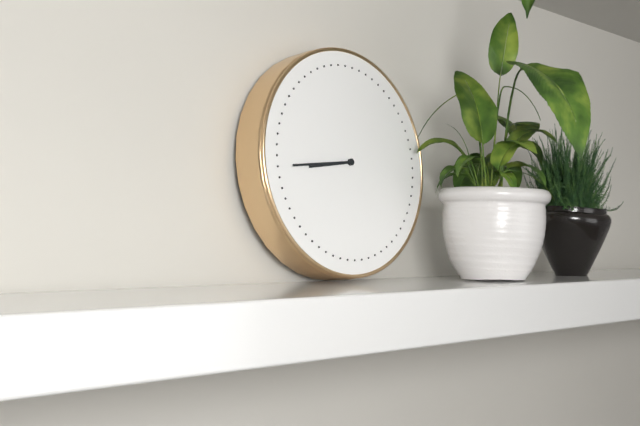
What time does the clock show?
8:44
